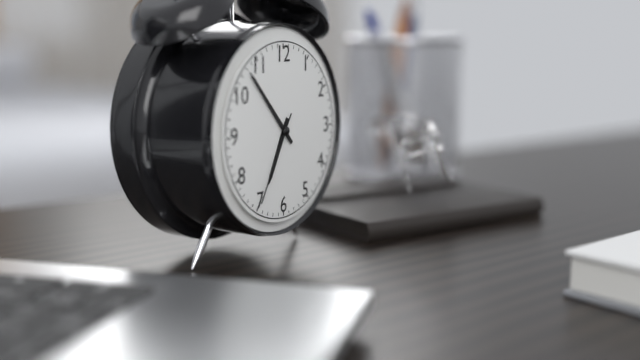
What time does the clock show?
6:53:35
